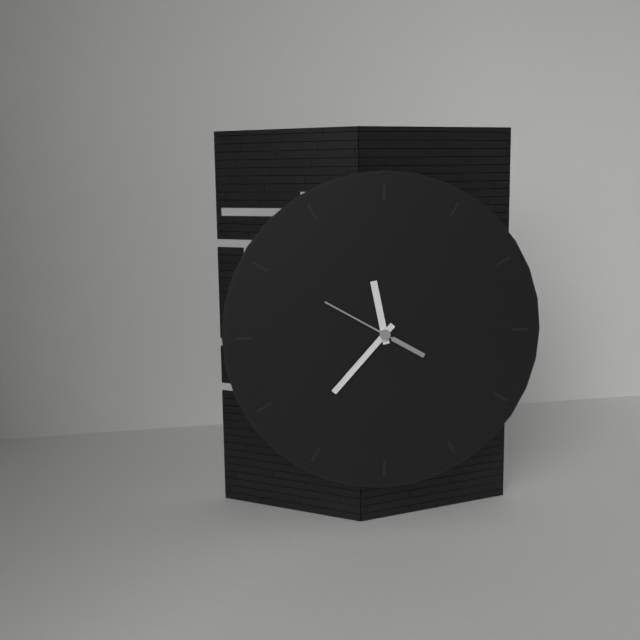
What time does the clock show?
11:37:50
